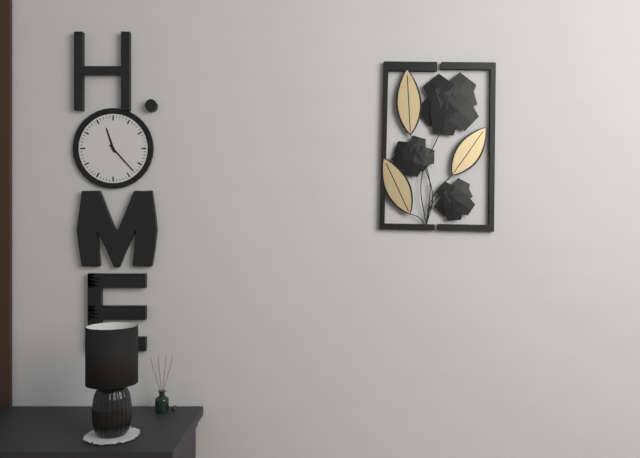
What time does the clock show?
11:23
